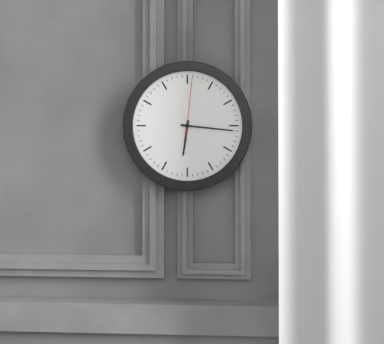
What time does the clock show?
6:16:01
